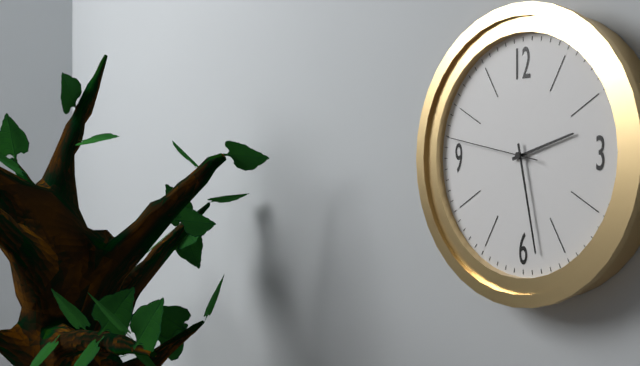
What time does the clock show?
2:28:47
